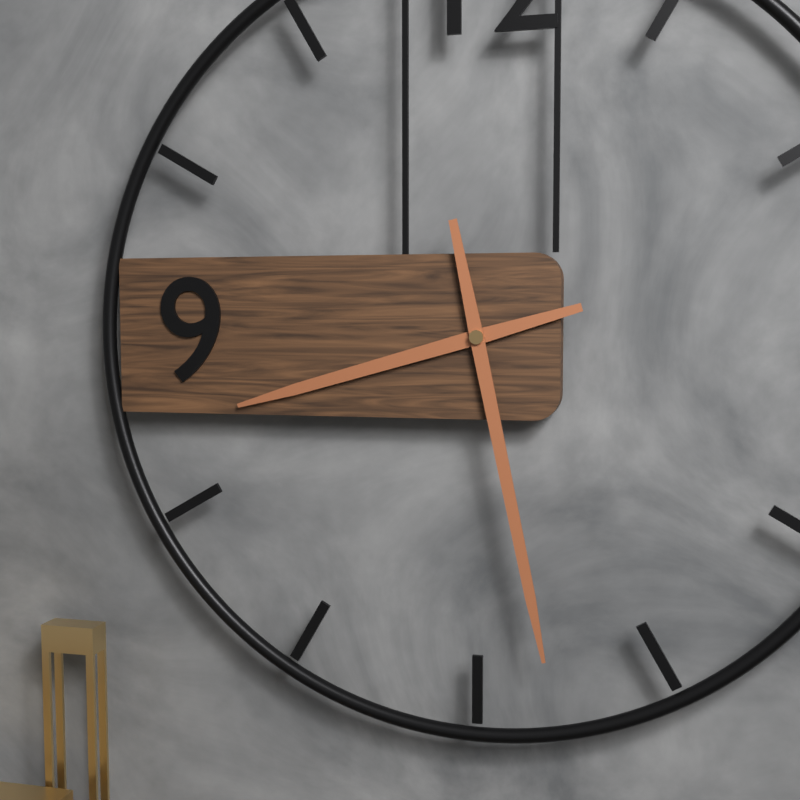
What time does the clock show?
8:28
